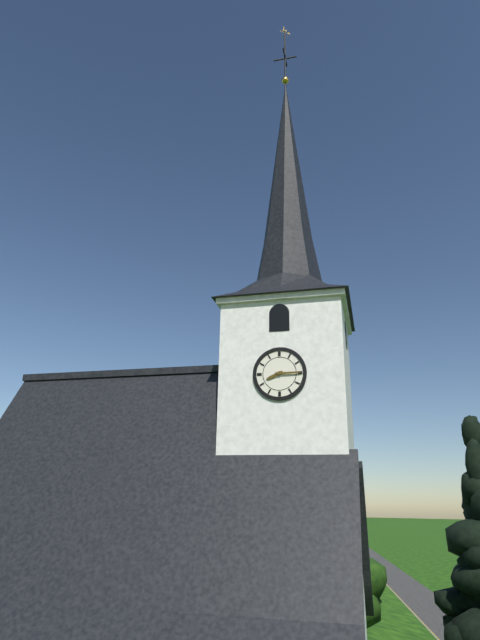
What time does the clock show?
8:15
